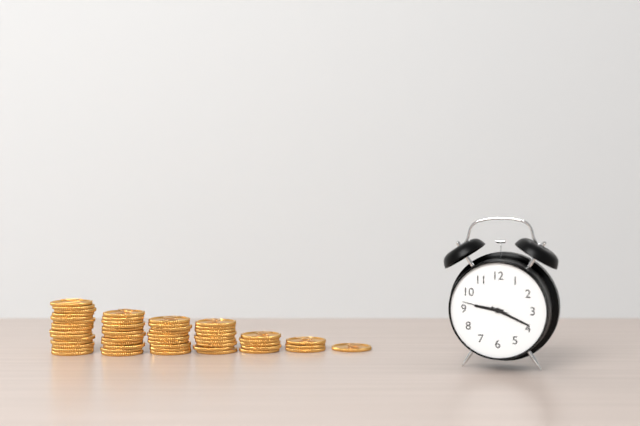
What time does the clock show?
9:19
